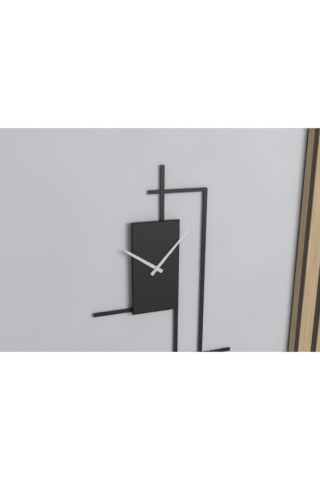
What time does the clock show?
10:07
